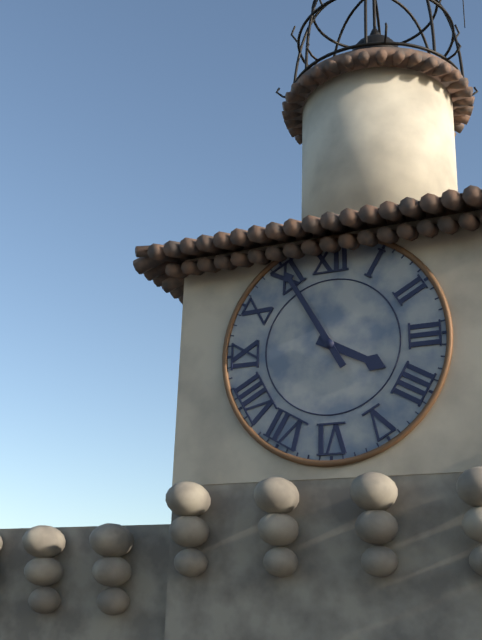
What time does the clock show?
3:55
